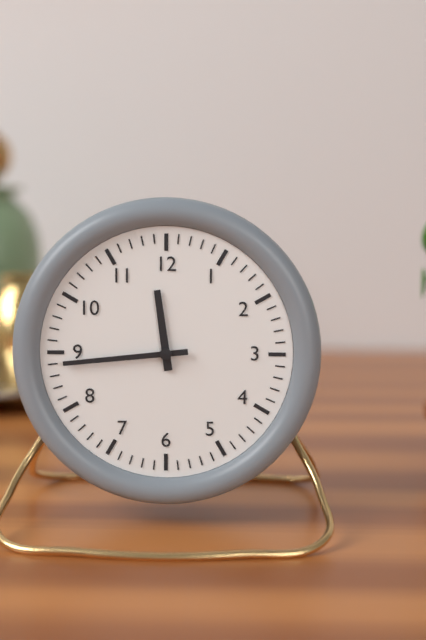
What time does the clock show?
11:44
